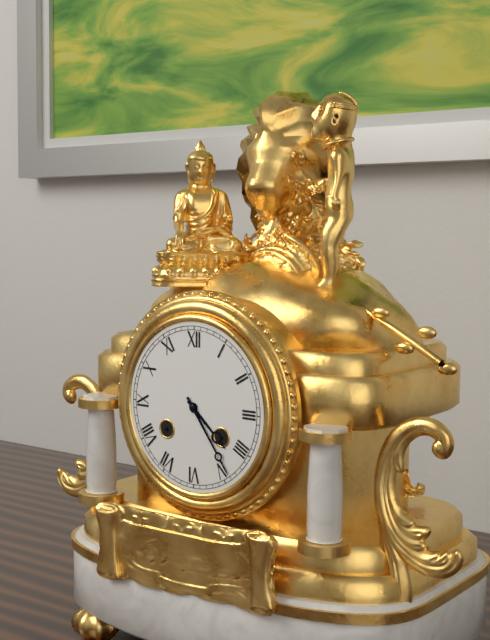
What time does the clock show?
4:24
